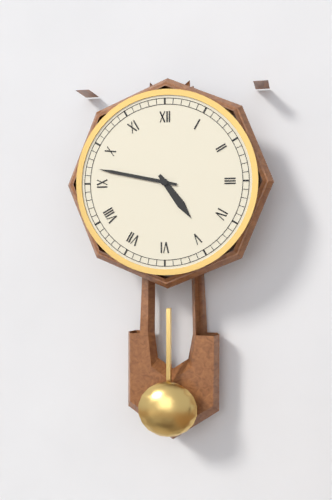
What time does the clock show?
4:47
